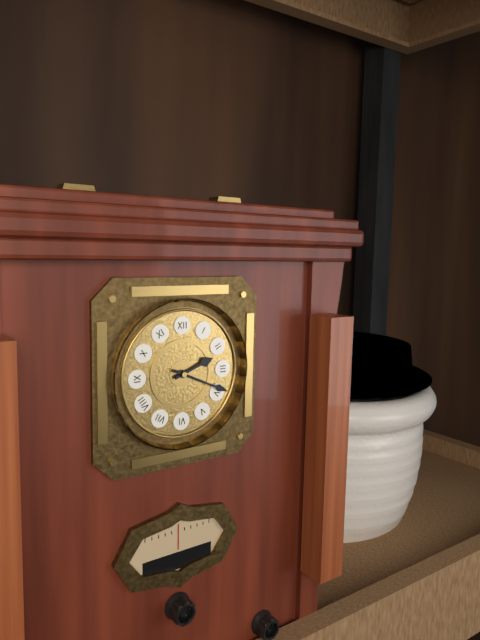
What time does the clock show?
2:19
